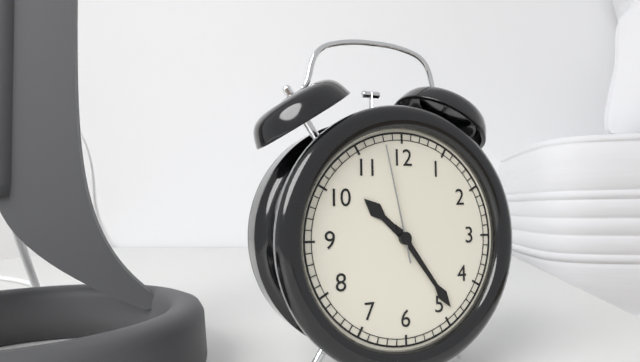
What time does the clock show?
10:24:58
